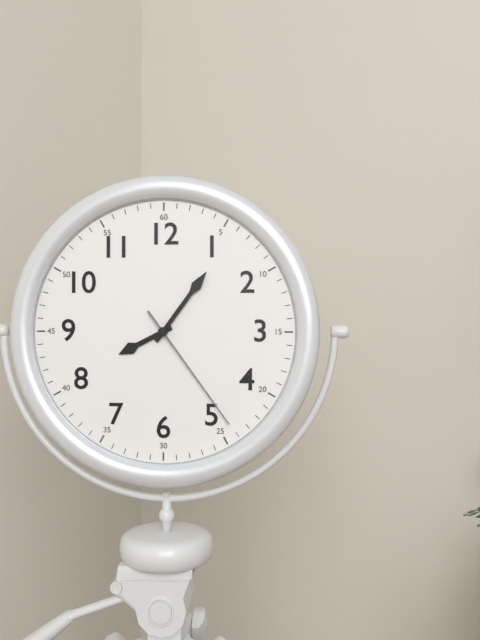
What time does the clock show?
8:06:24
